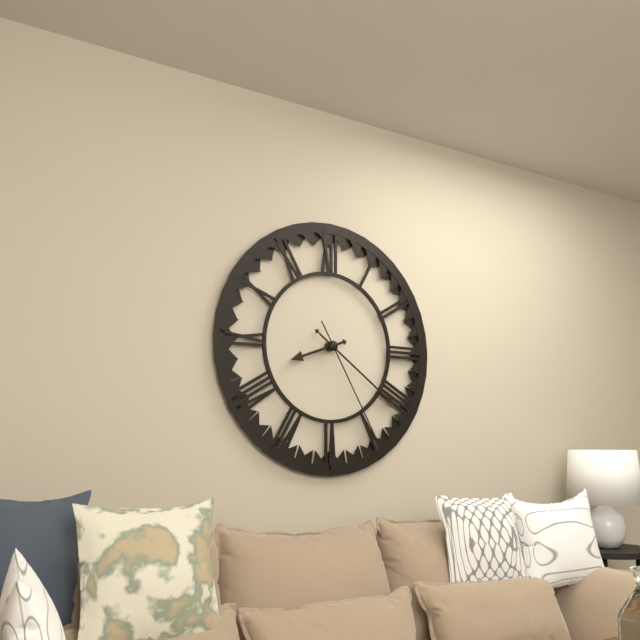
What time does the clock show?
8:21:25
